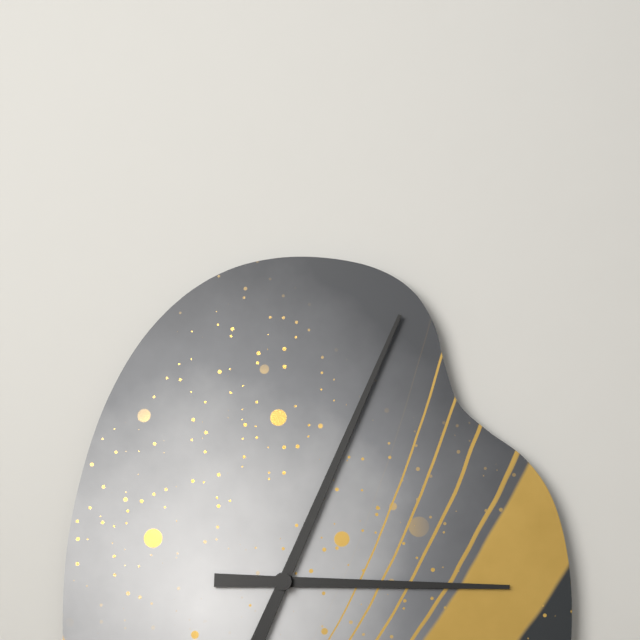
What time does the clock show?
3:04
